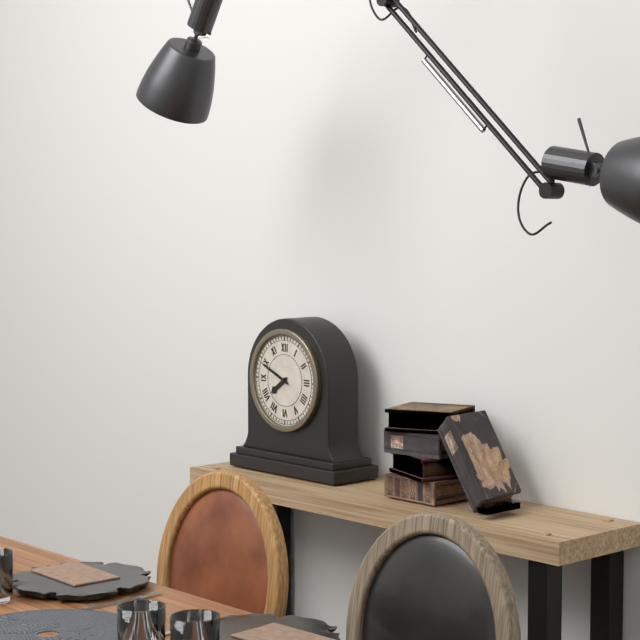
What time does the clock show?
7:49
